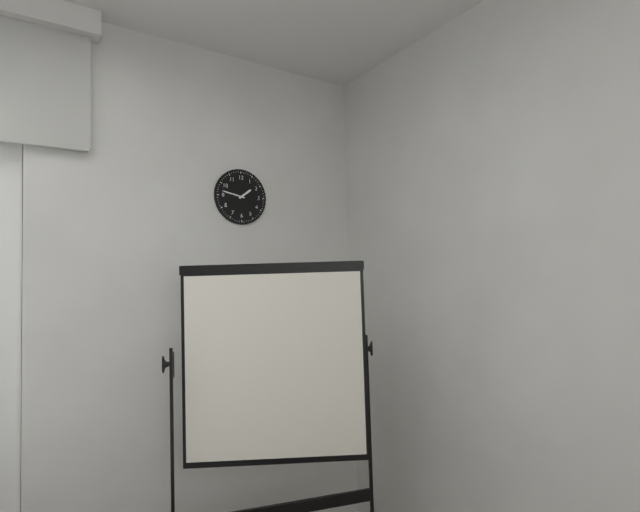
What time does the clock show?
1:47
